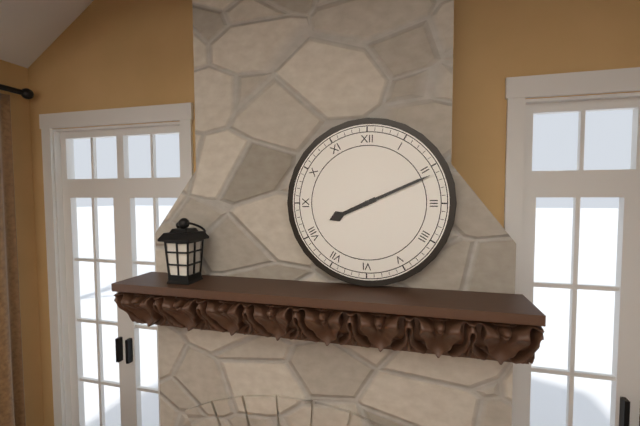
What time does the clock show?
8:11
